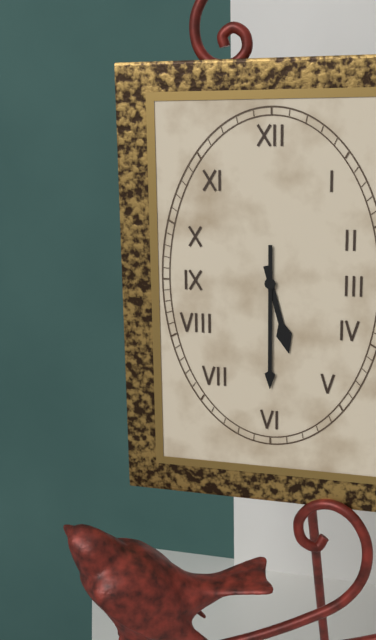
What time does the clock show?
5:30
